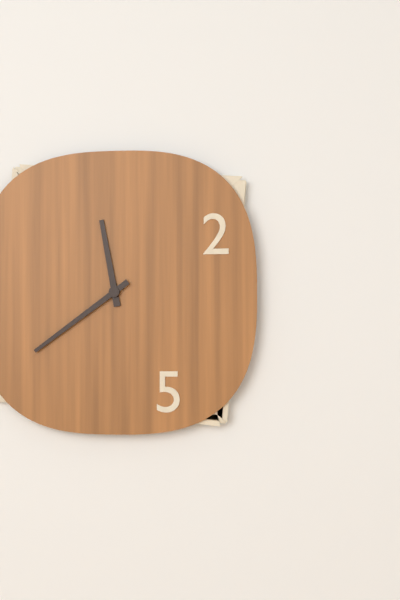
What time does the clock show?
11:39
